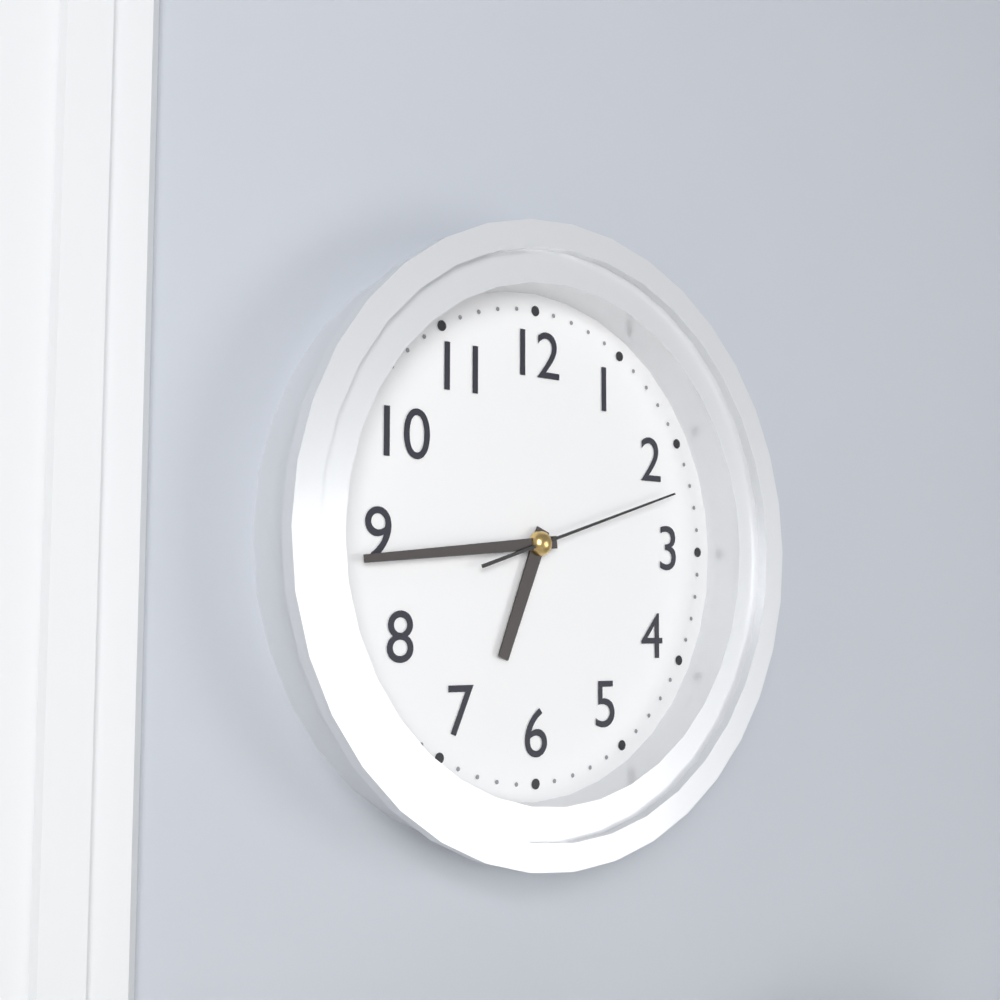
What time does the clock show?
6:44:12
